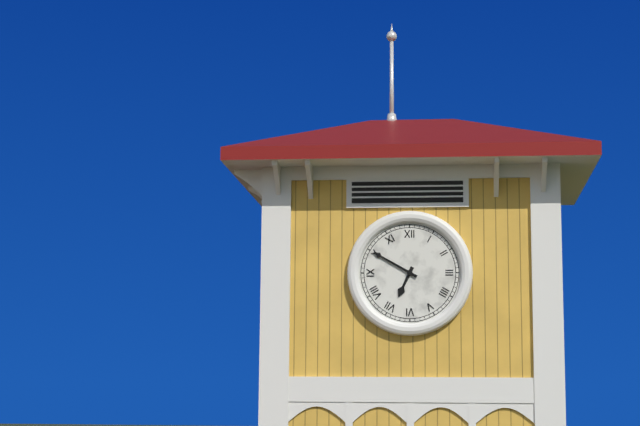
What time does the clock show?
6:50
